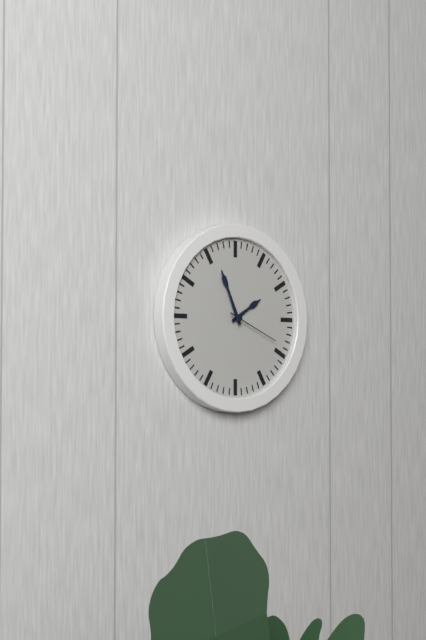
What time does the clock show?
1:56:19
